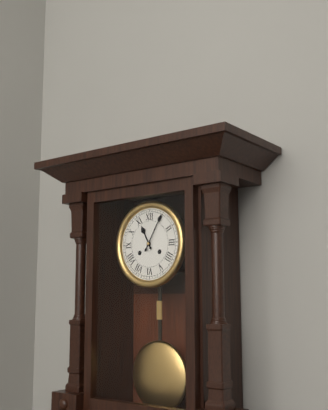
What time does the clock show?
11:05
